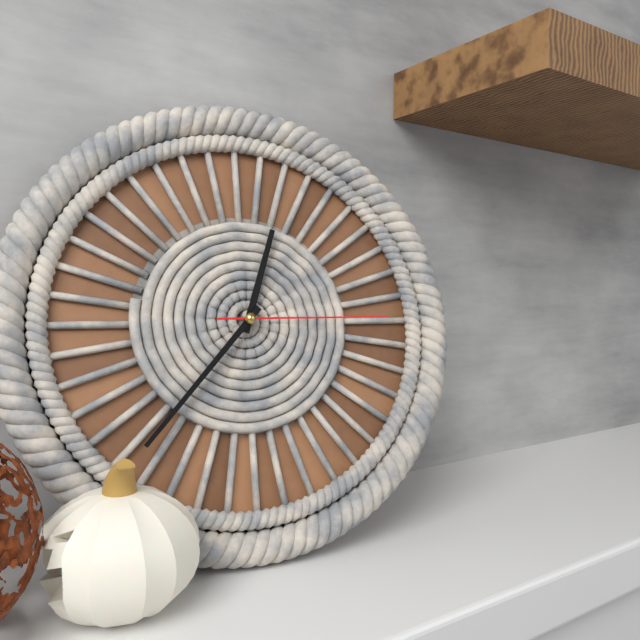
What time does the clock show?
12:37:15
